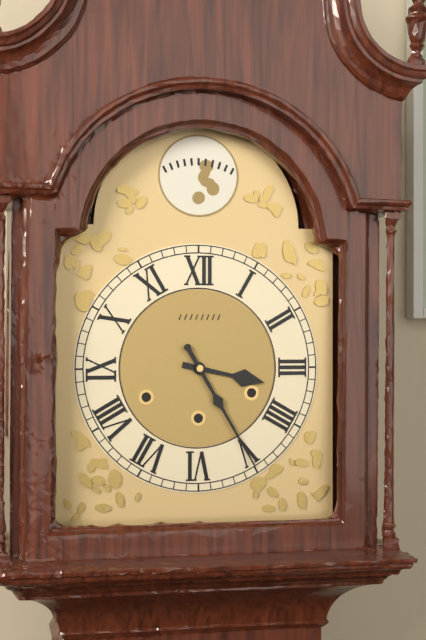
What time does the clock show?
3:25
